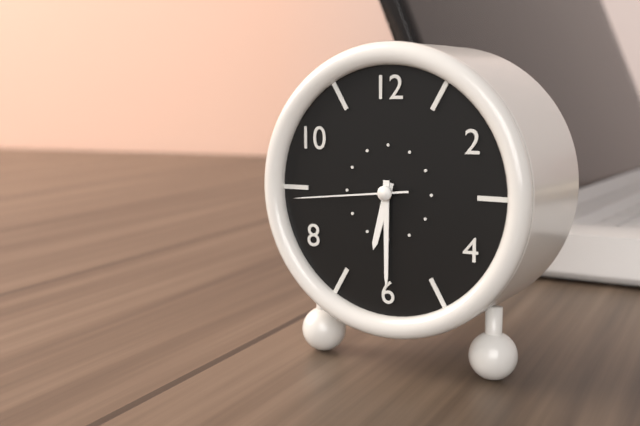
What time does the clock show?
6:30:44
